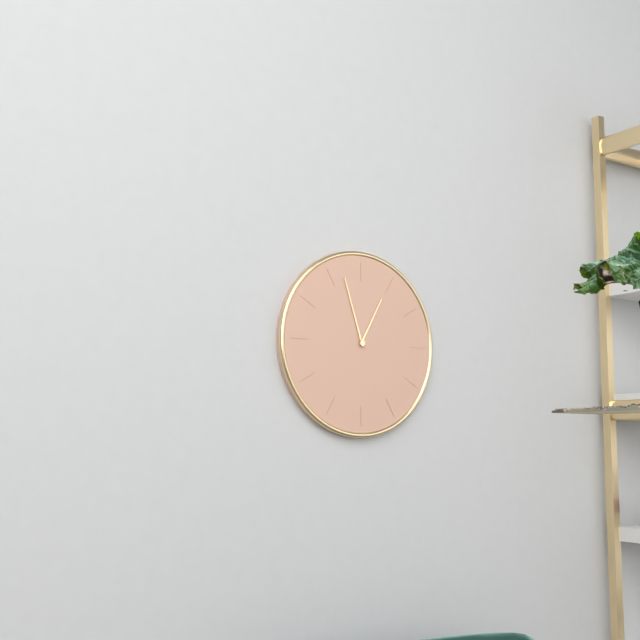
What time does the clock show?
12:57
